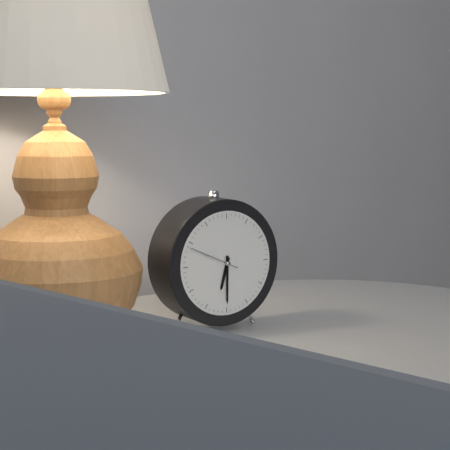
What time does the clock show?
6:30:49
